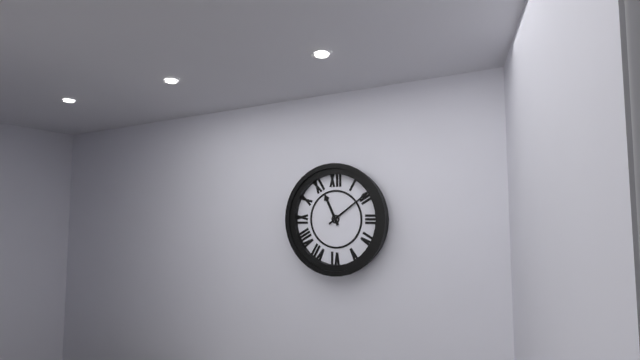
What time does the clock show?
11:09
